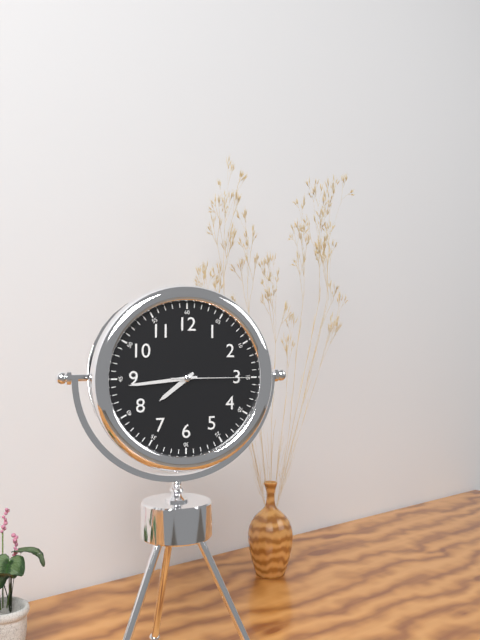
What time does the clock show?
7:44:15
